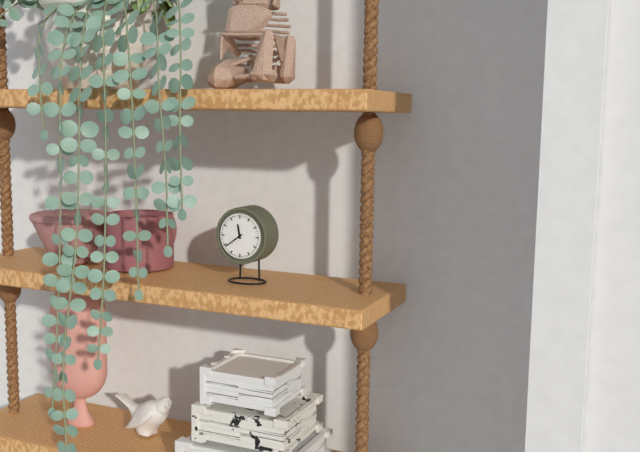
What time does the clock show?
11:39
